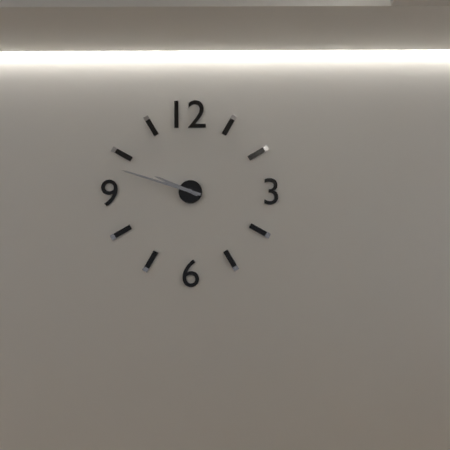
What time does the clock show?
9:48
